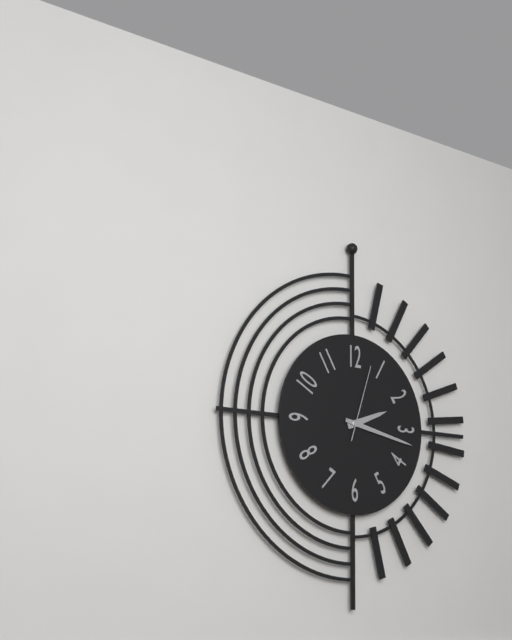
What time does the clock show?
2:17:03
